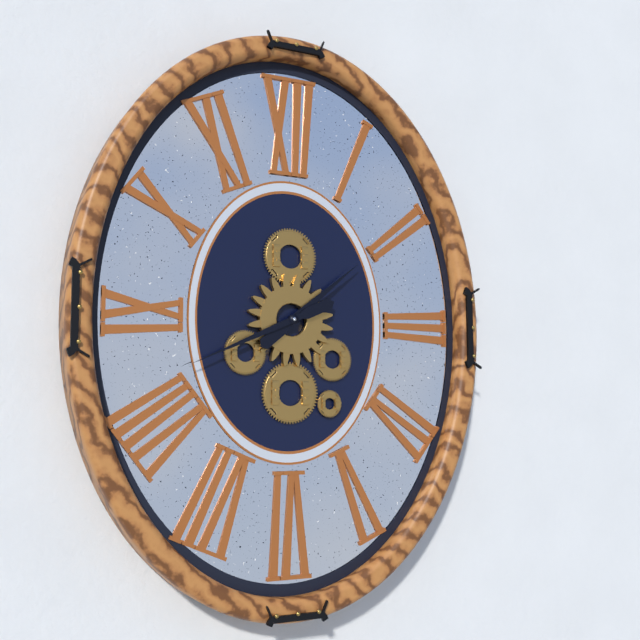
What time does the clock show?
1:41
